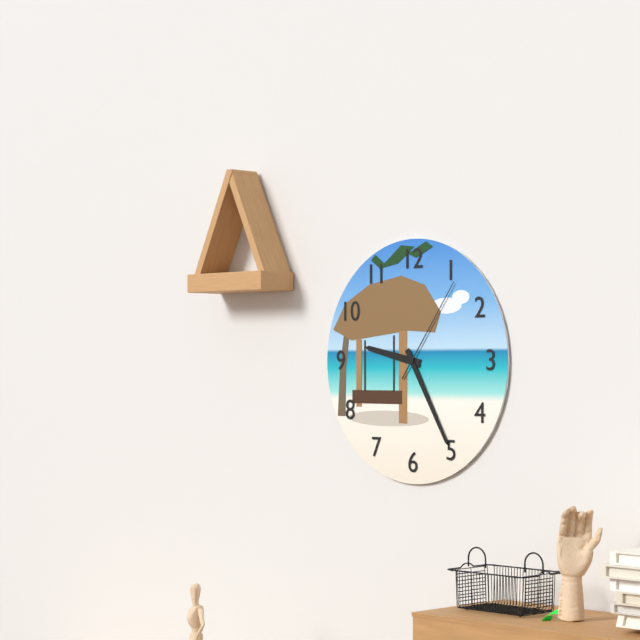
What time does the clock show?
9:25:06
